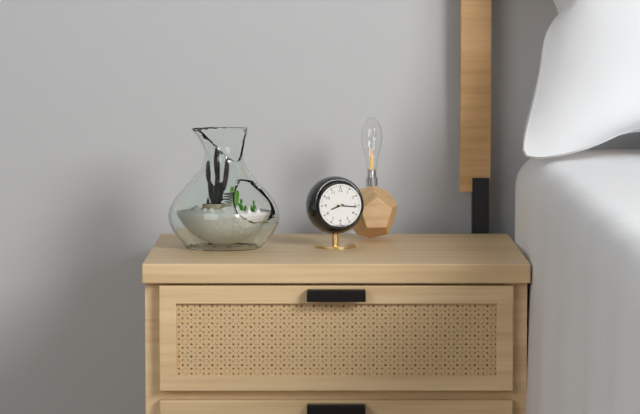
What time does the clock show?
8:16
